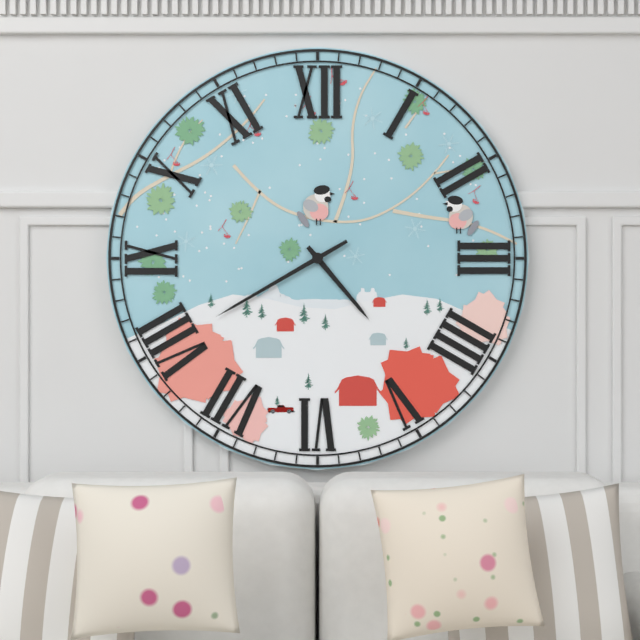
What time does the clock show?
4:40
